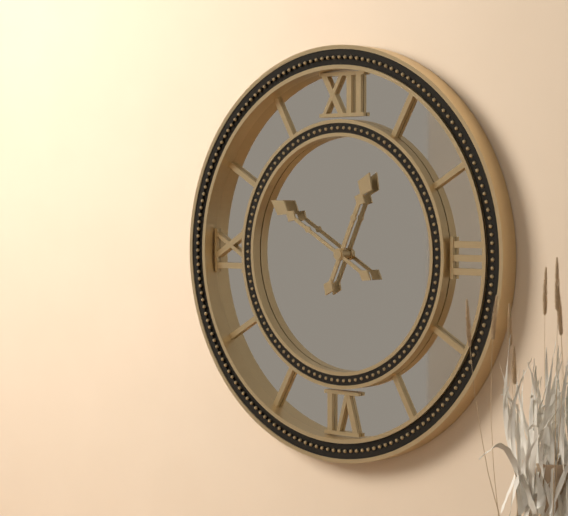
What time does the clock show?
12:50
